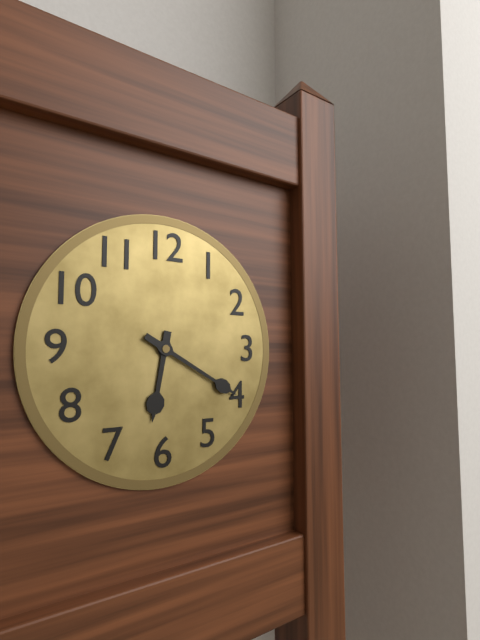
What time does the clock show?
6:20
